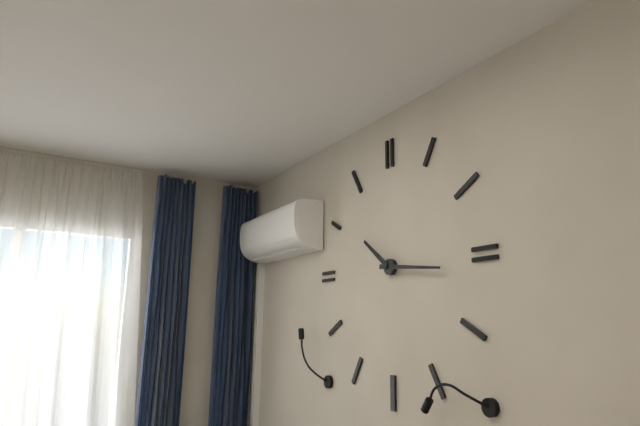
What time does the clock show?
10:16
